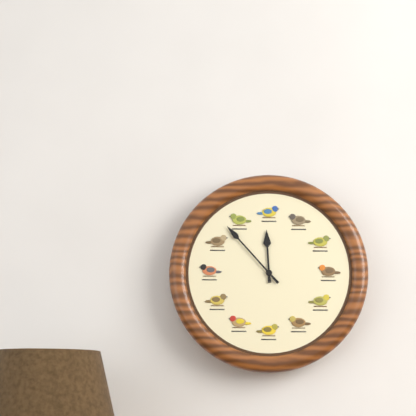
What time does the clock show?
11:53
